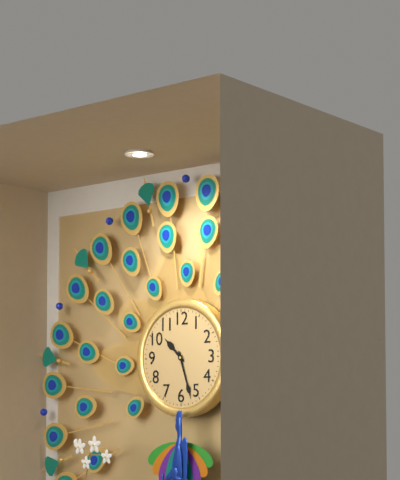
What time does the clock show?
10:27
